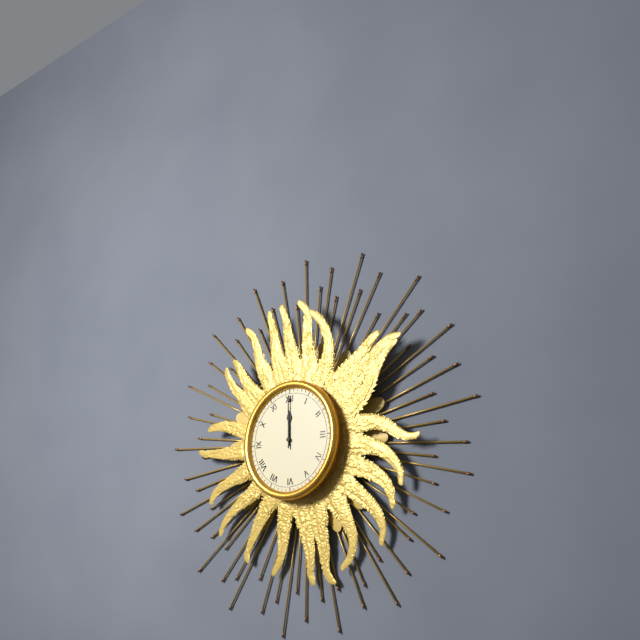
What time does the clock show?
12:00
